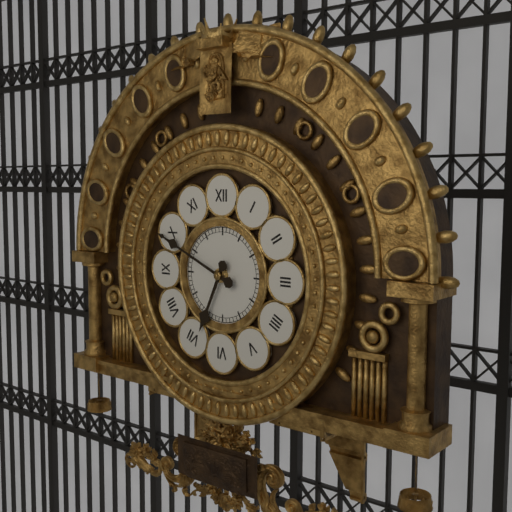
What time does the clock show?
6:49
